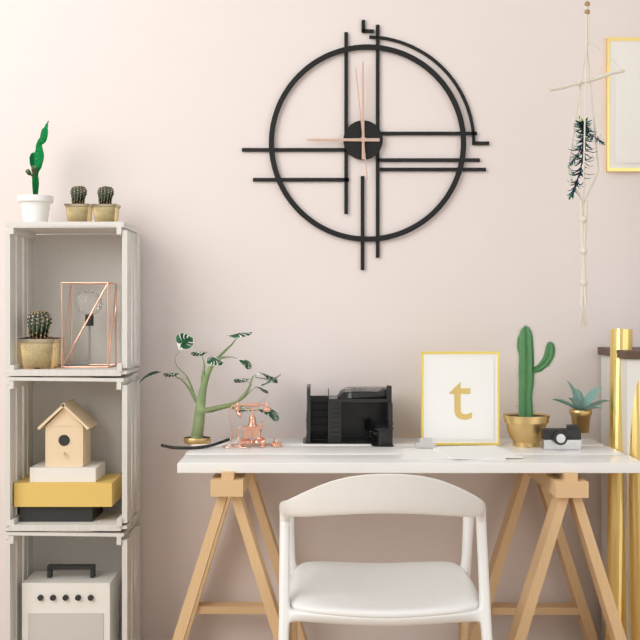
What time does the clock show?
9:00:59
